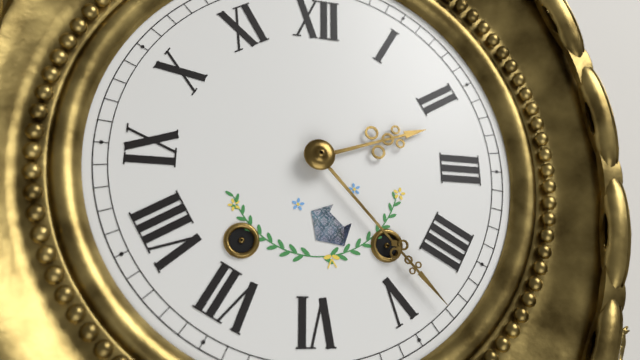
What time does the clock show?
2:23
